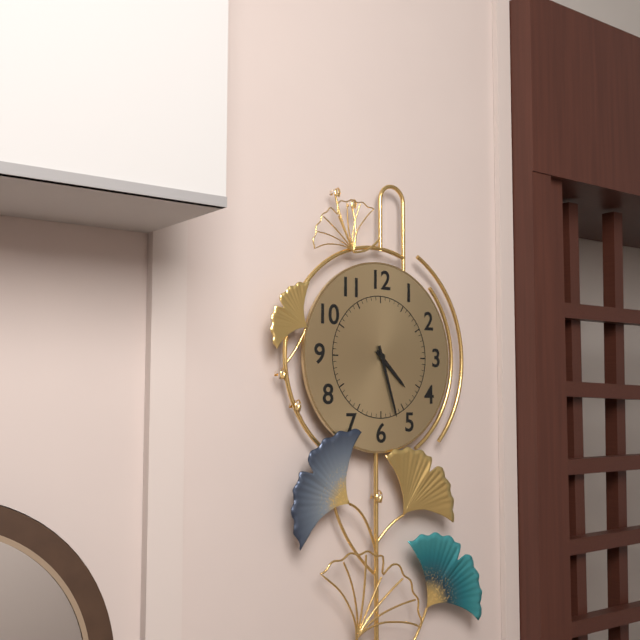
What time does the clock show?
4:27
